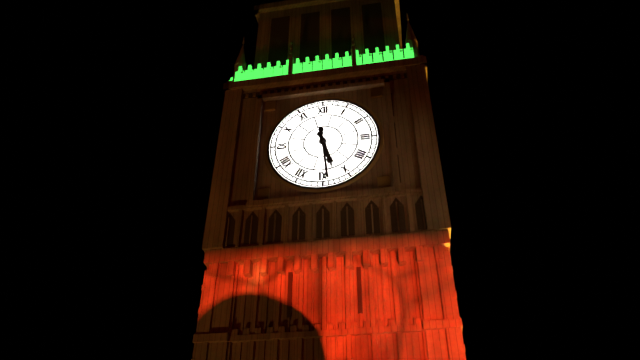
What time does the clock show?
5:29
